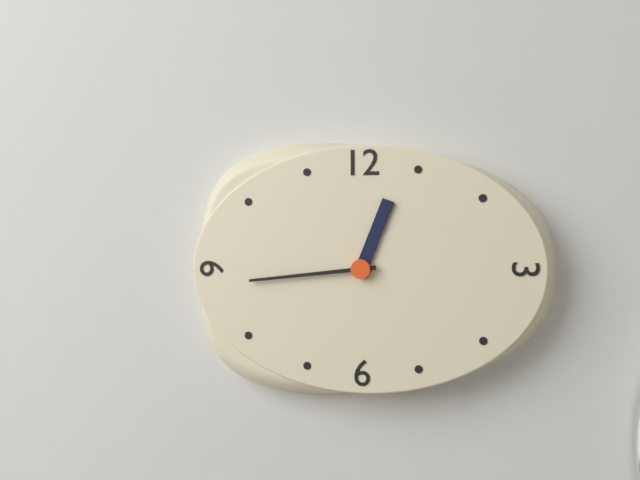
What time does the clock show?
12:44
